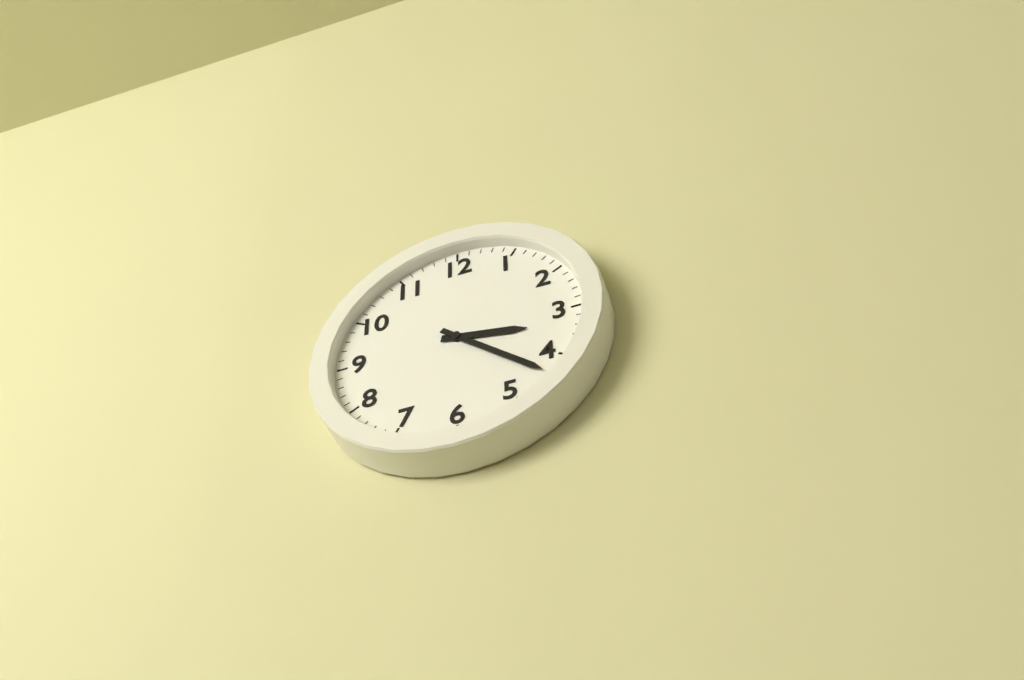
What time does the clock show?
3:22
